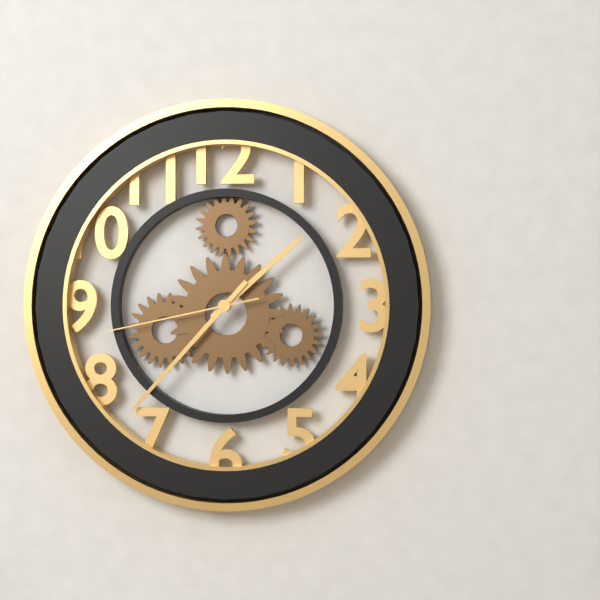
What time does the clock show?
1:37:43
